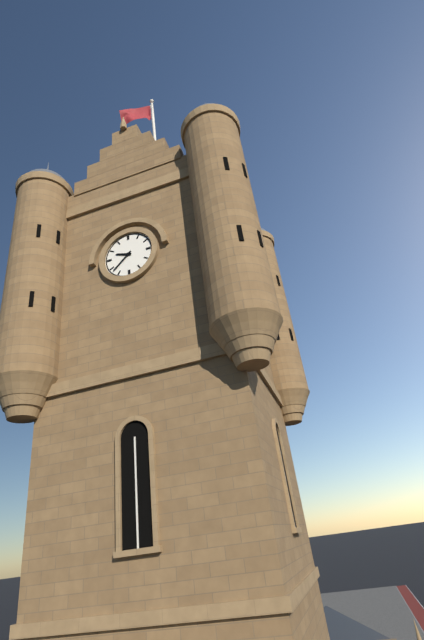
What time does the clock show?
9:38
